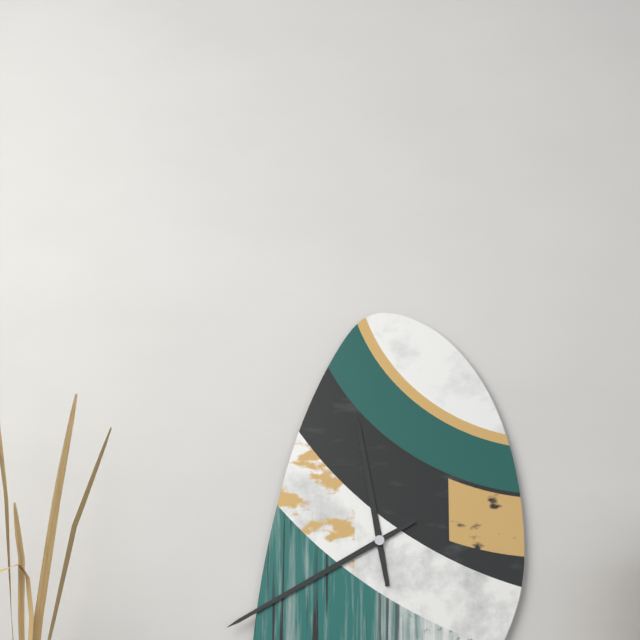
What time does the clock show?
11:40
